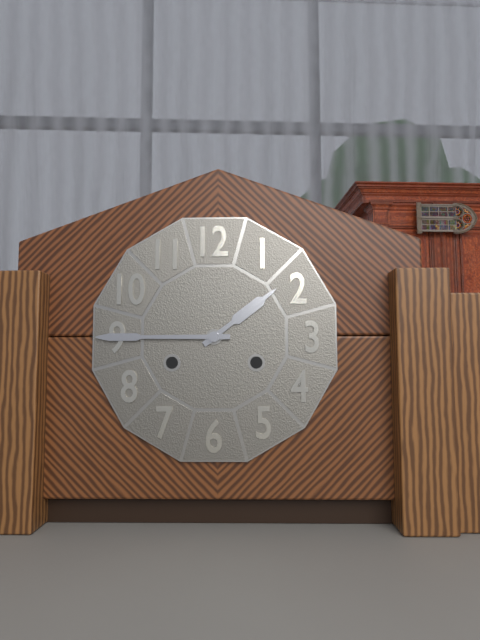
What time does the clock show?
1:45
